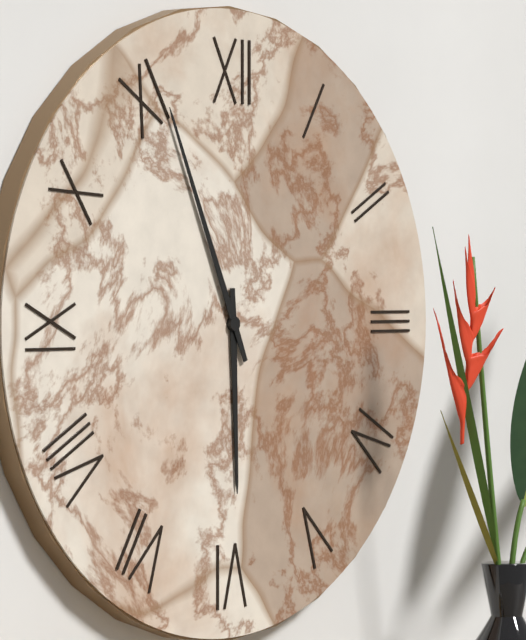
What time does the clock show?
5:56
